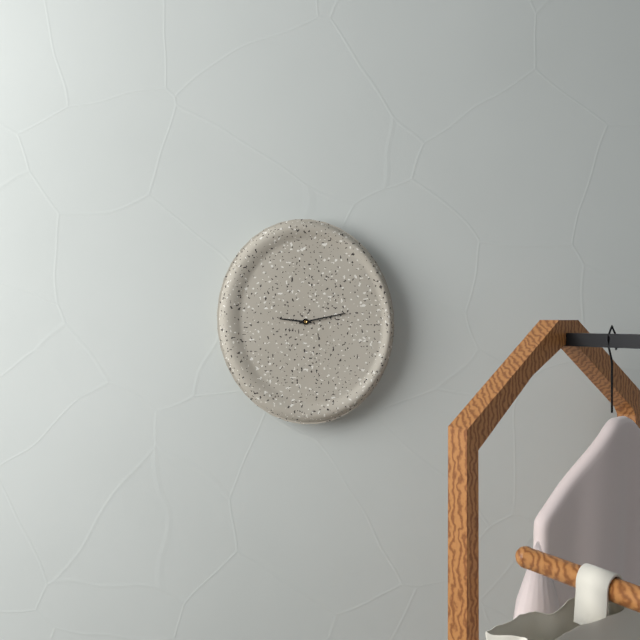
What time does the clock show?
9:13
